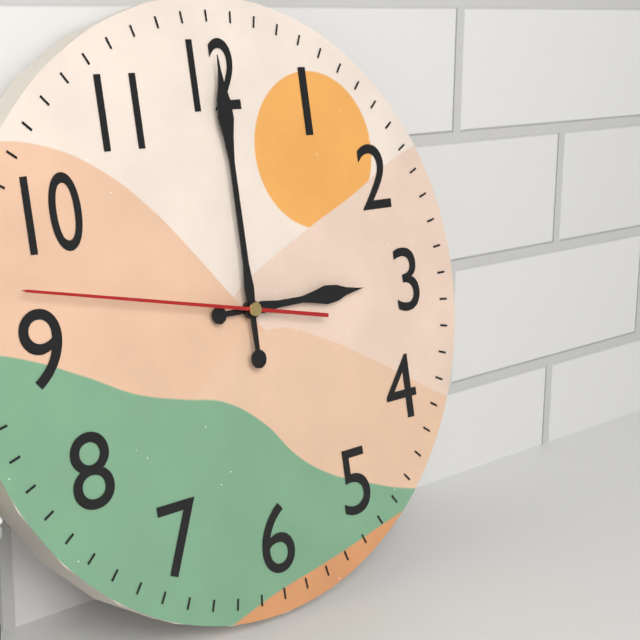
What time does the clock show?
3:00:47
